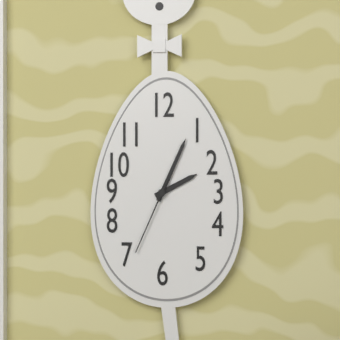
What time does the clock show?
2:04:34
